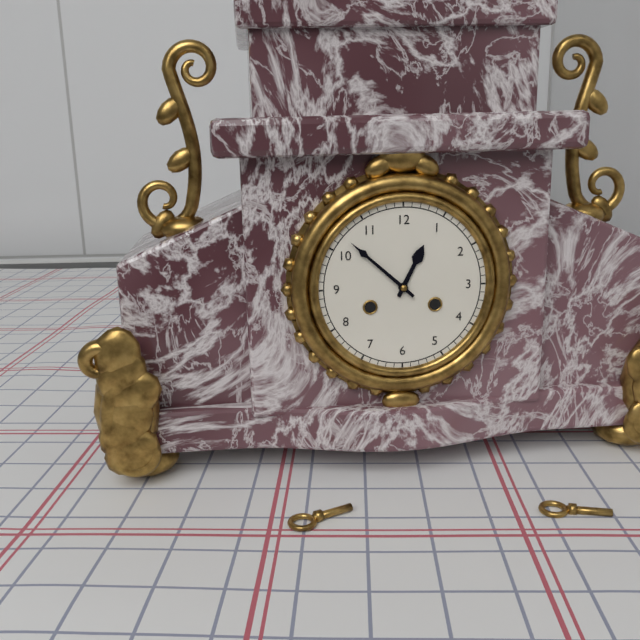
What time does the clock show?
12:52
